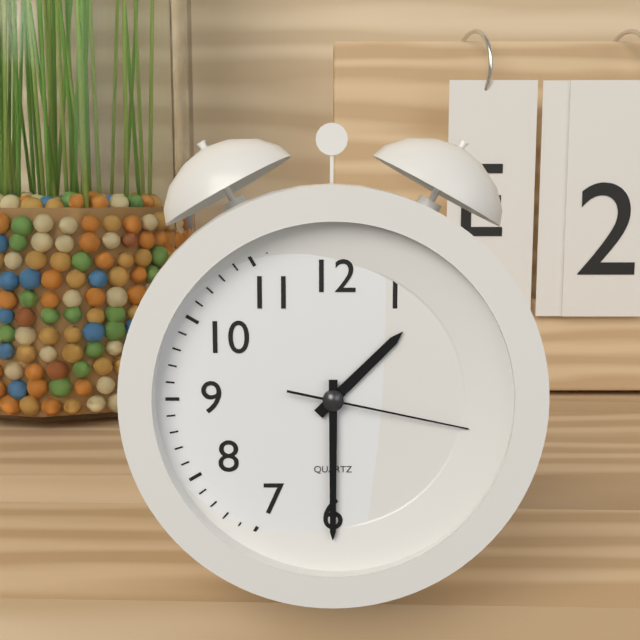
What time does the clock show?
1:30:17
